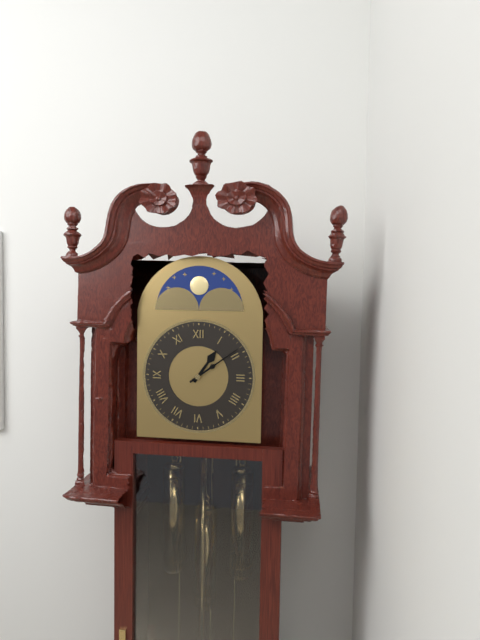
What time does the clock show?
1:09
